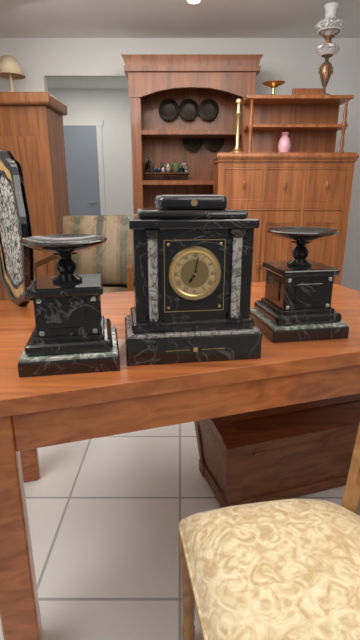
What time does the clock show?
7:02
